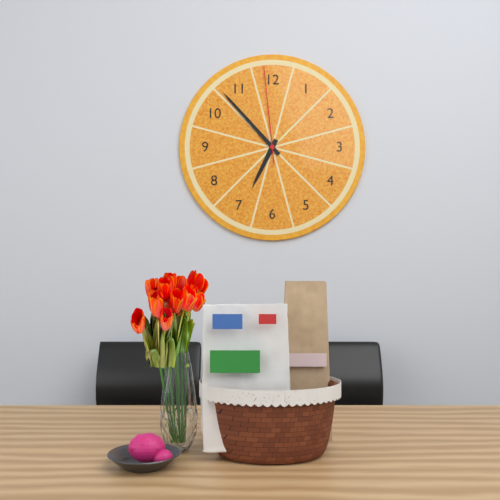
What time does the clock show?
6:53:59
